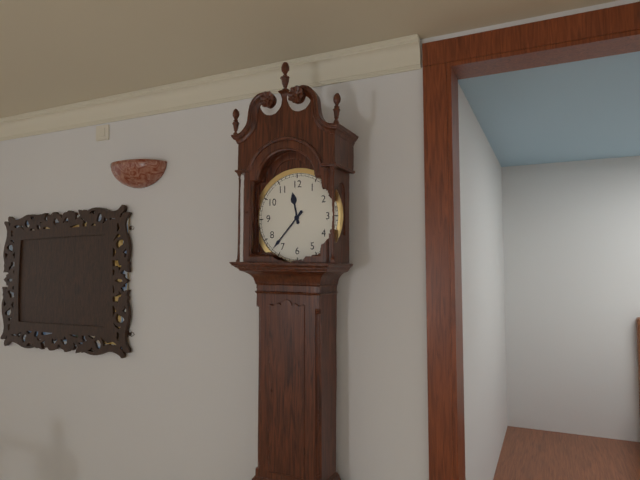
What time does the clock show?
11:37
